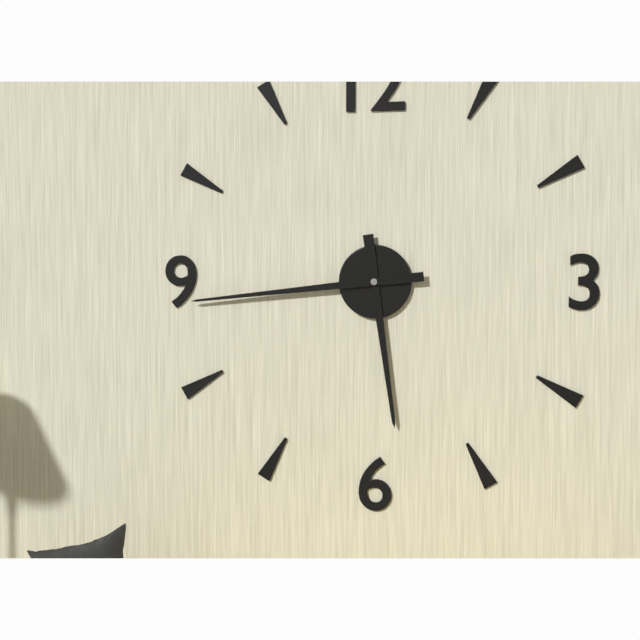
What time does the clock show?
5:44
